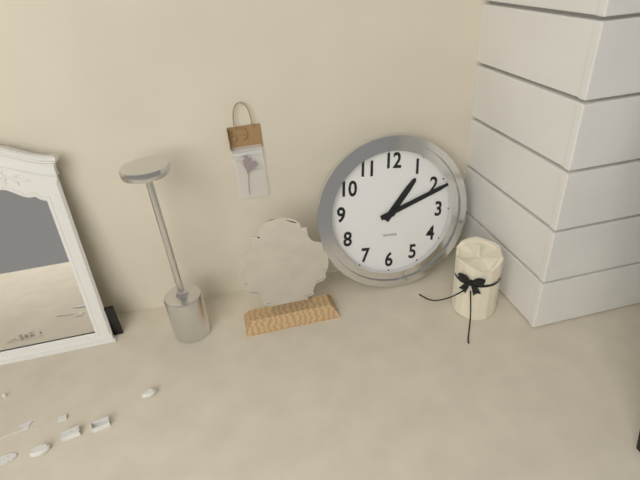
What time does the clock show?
1:11
